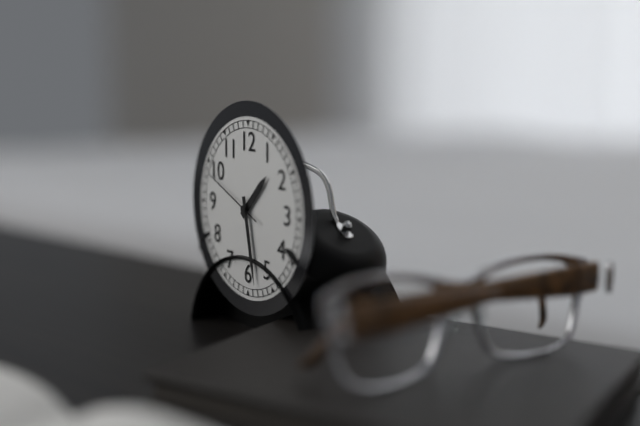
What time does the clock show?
1:28:49
